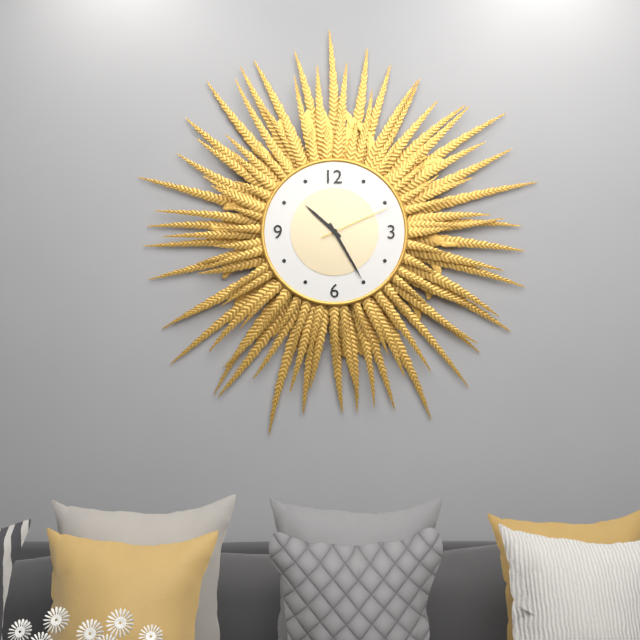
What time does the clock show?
10:25:11
